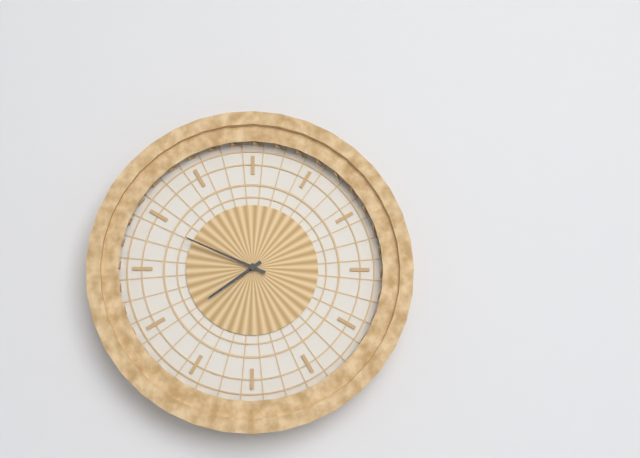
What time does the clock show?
7:49
